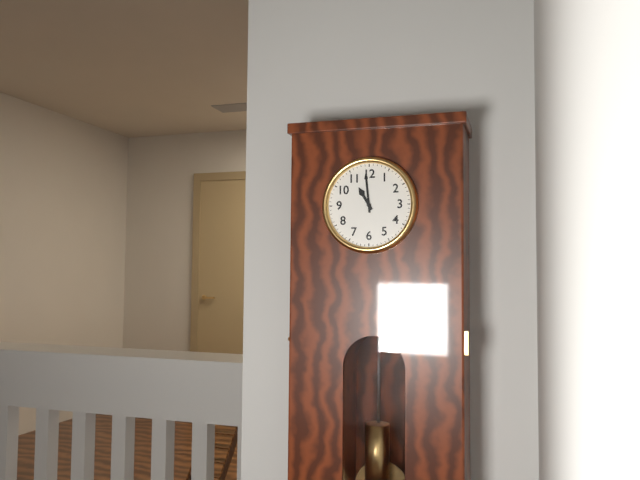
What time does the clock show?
10:59
